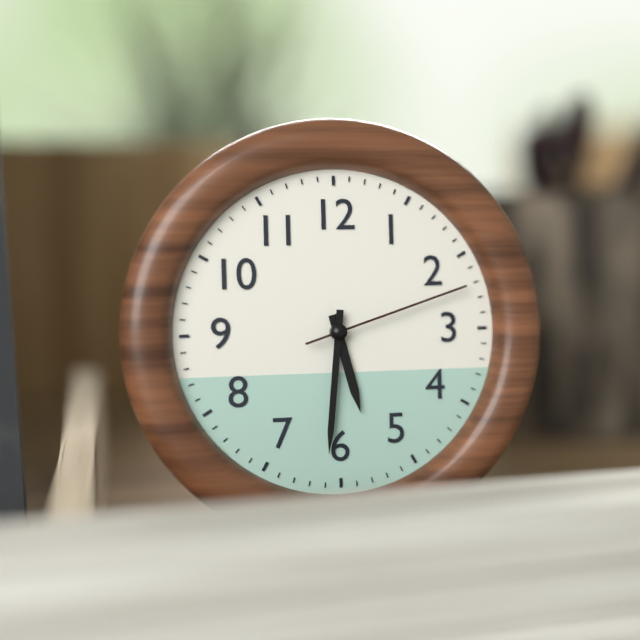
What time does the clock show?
5:31:12
